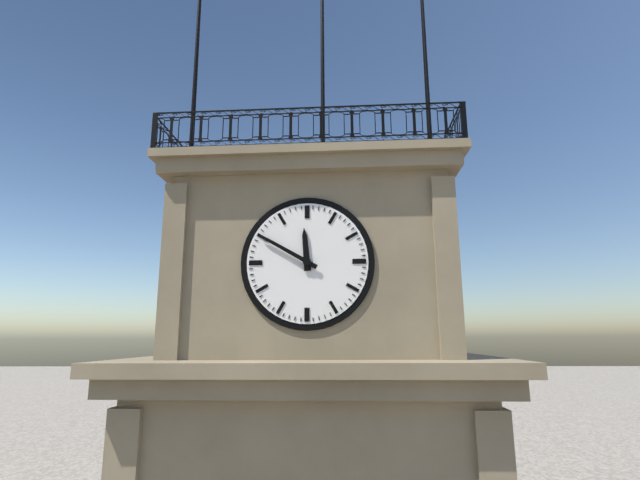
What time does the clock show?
11:50
